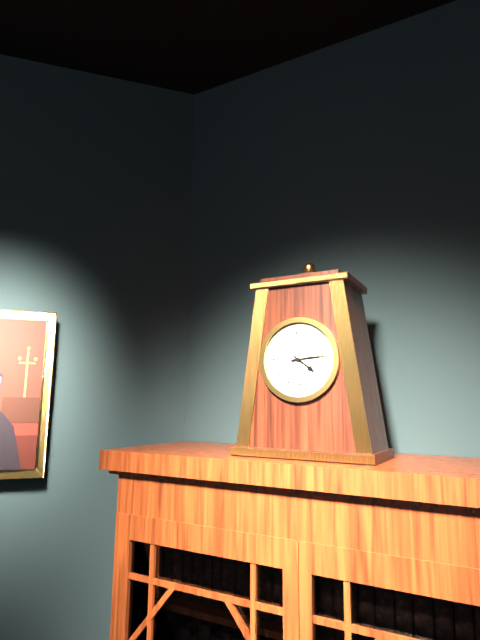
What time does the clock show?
4:14
